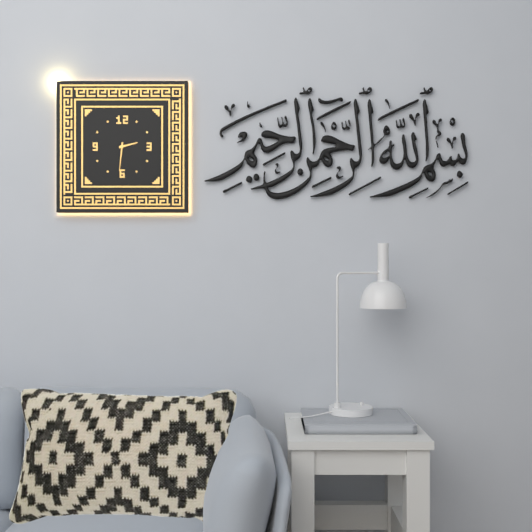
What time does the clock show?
2:31
